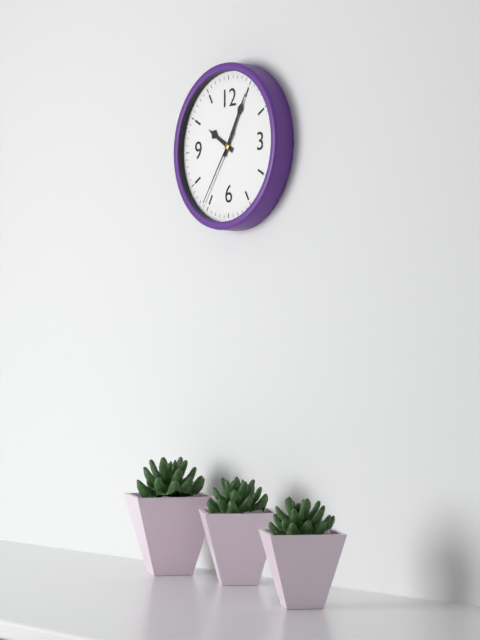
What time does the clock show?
10:05:36
